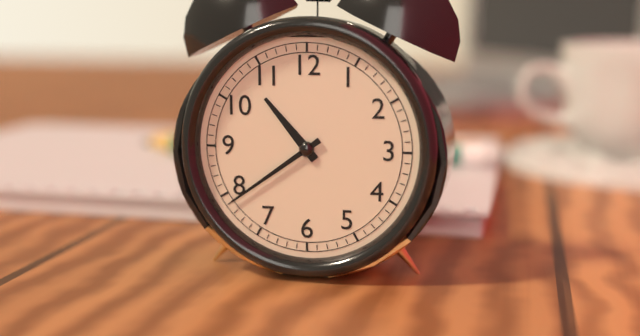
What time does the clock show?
10:39
